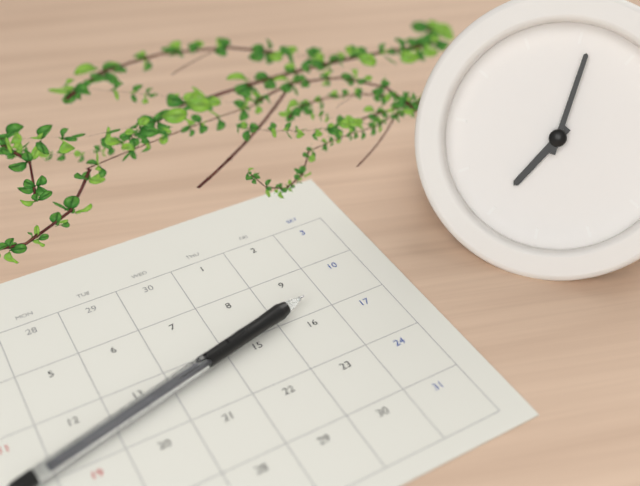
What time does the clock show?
7:01
